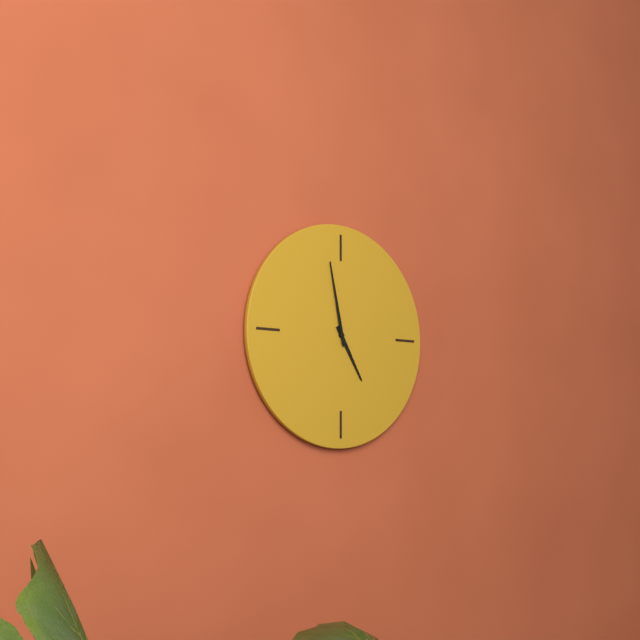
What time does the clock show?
4:58
